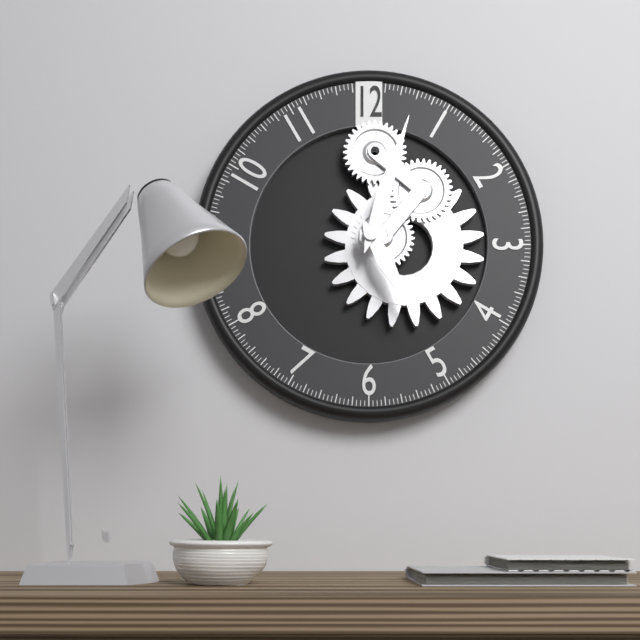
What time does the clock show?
5:03
